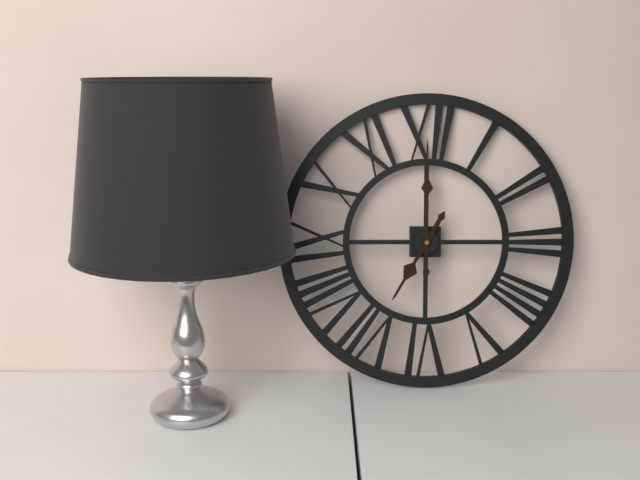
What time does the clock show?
7:00
